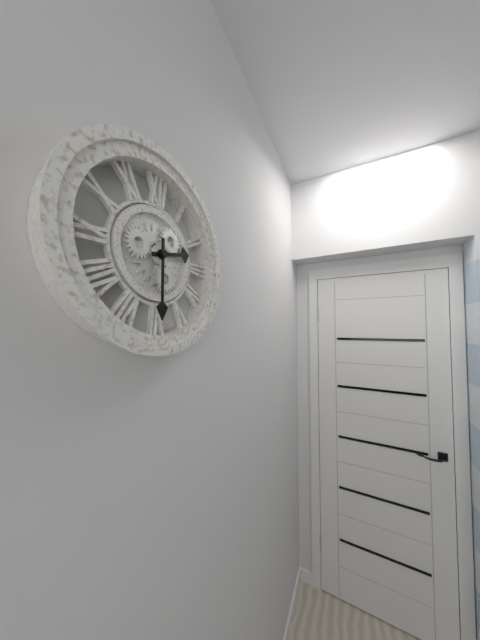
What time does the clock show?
2:30
